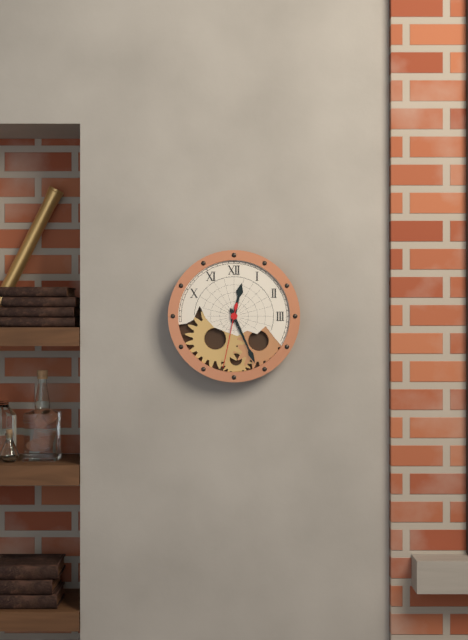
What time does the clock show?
12:26:32
